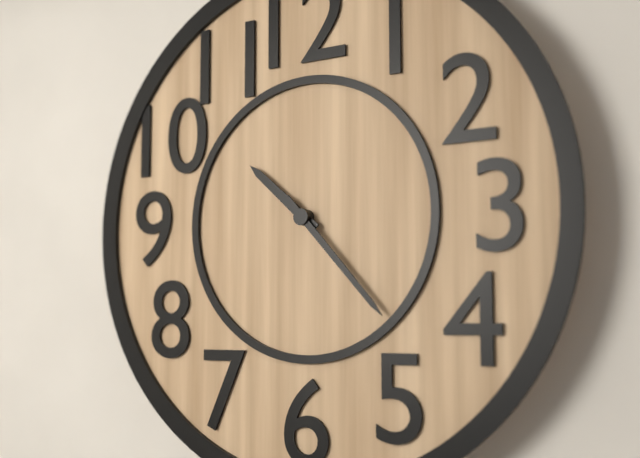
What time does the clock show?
10:23
